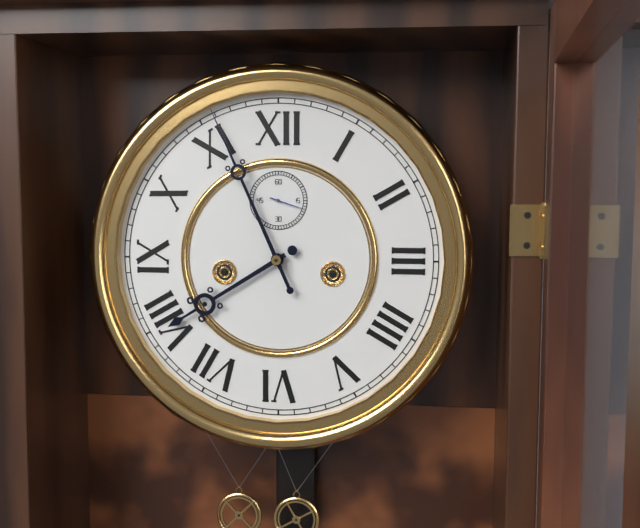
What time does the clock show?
7:56
